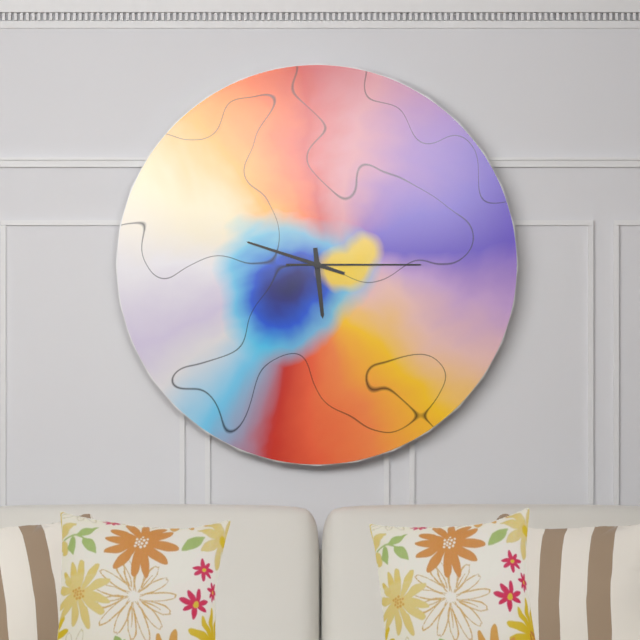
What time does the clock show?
5:48:15
